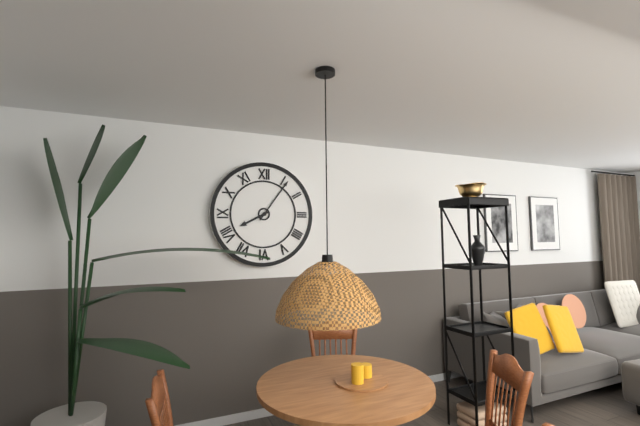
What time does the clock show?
8:06
